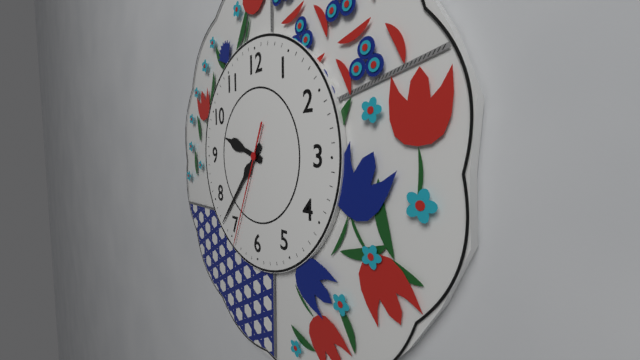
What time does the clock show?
9:37:34
